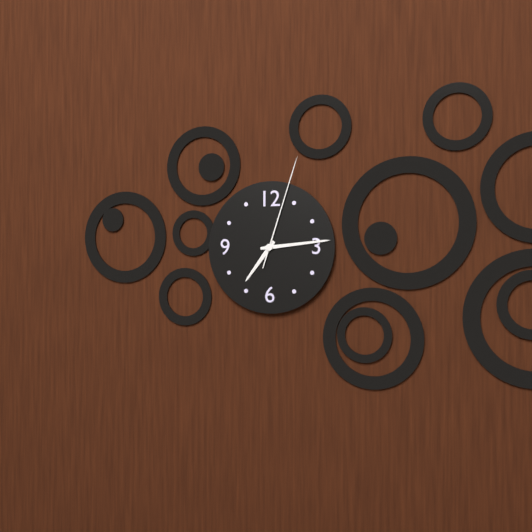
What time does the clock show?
7:14:03
